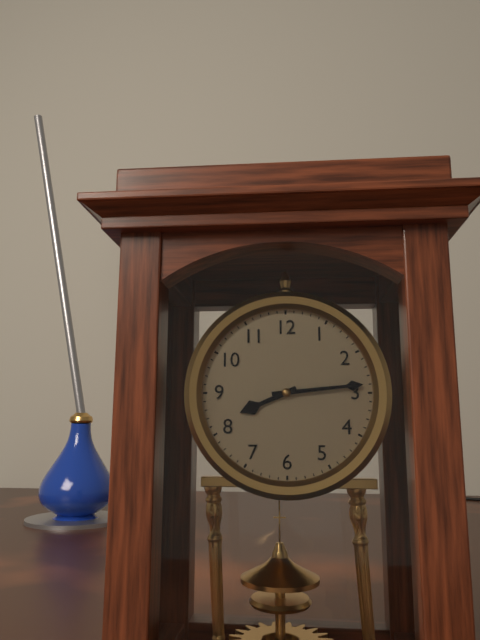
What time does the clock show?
8:14
